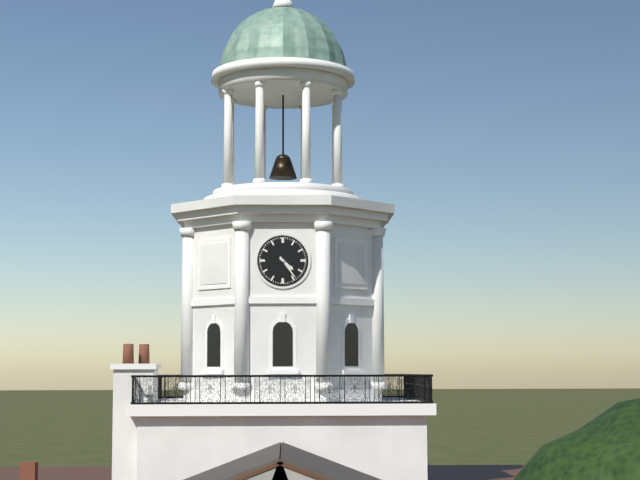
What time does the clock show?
4:24
